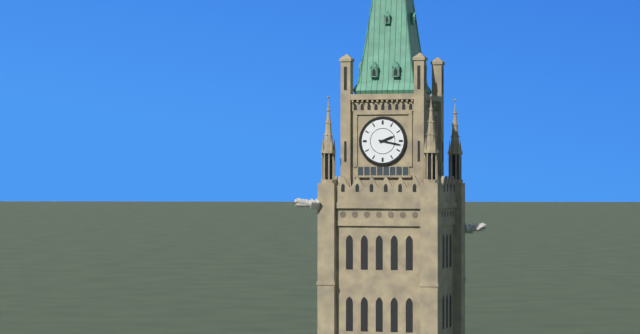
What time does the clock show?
2:17
